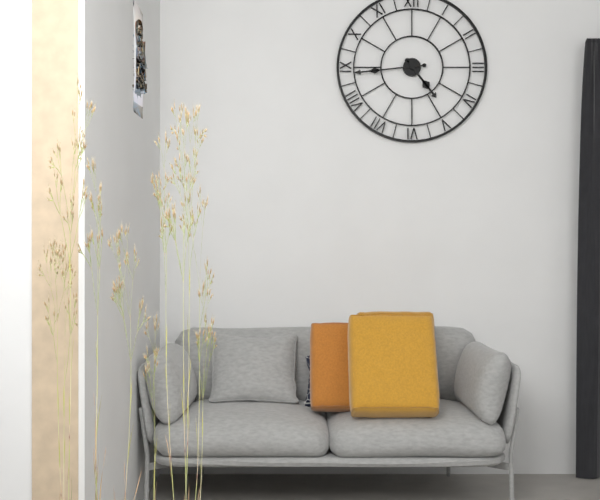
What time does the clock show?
4:44
